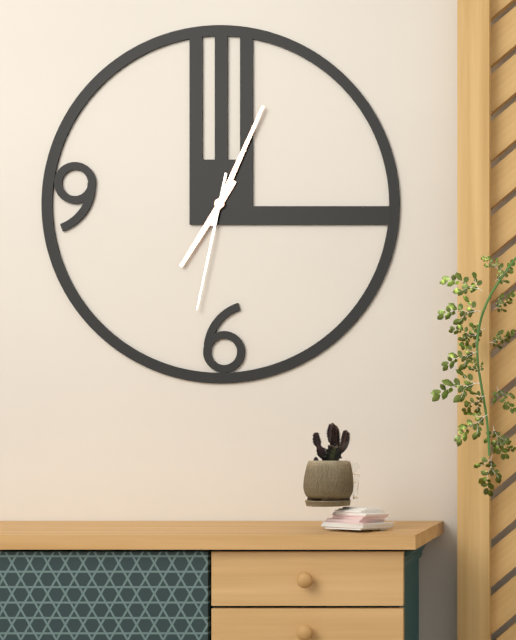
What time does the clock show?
7:04:32
